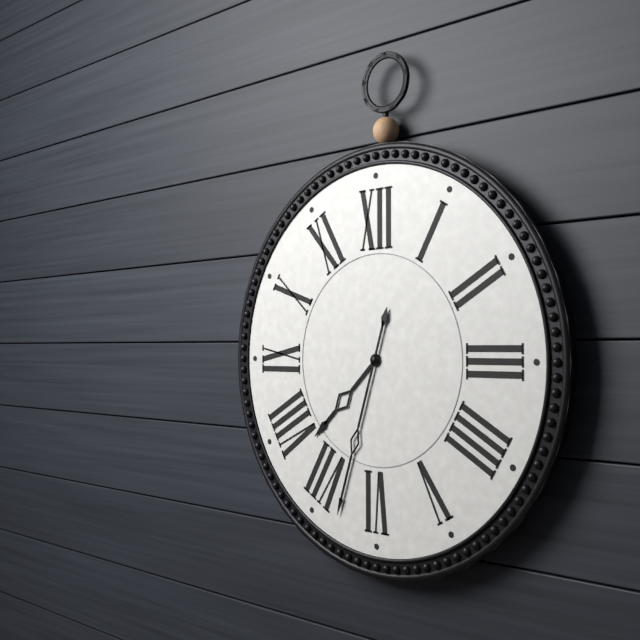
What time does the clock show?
7:33
